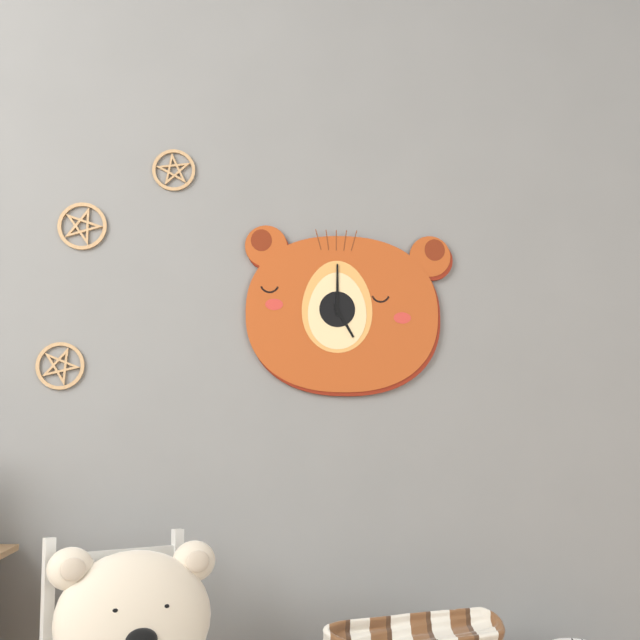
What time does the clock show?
5:00
